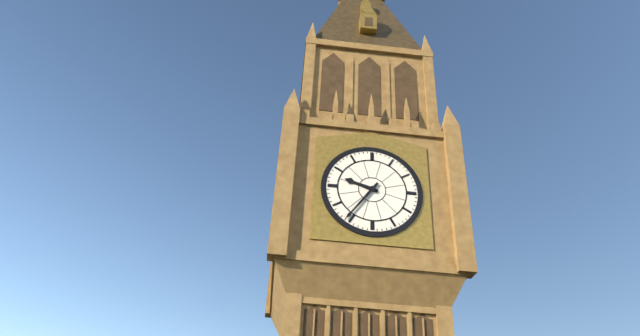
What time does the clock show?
9:36
